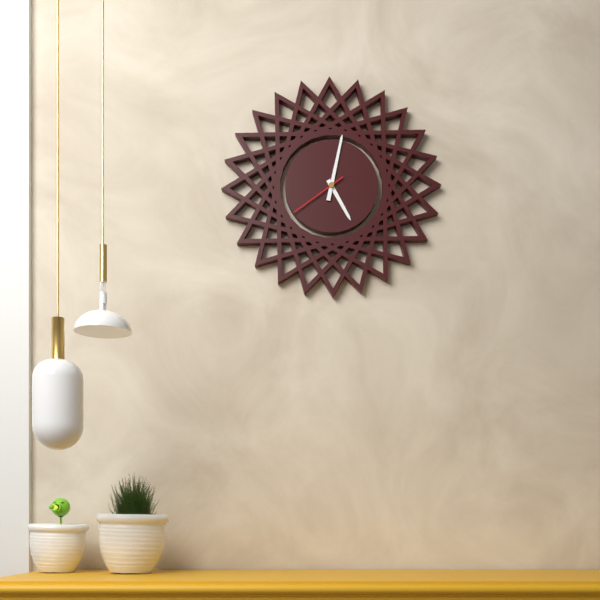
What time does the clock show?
5:02:39
